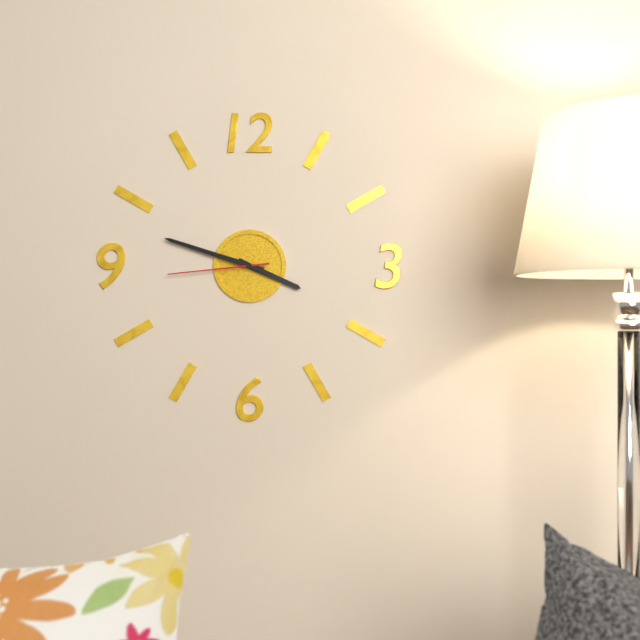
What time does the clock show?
3:48:44
